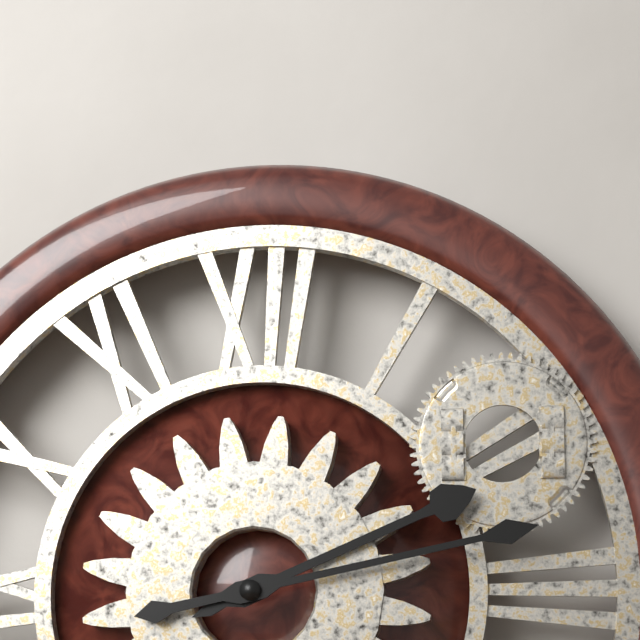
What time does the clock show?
2:13
